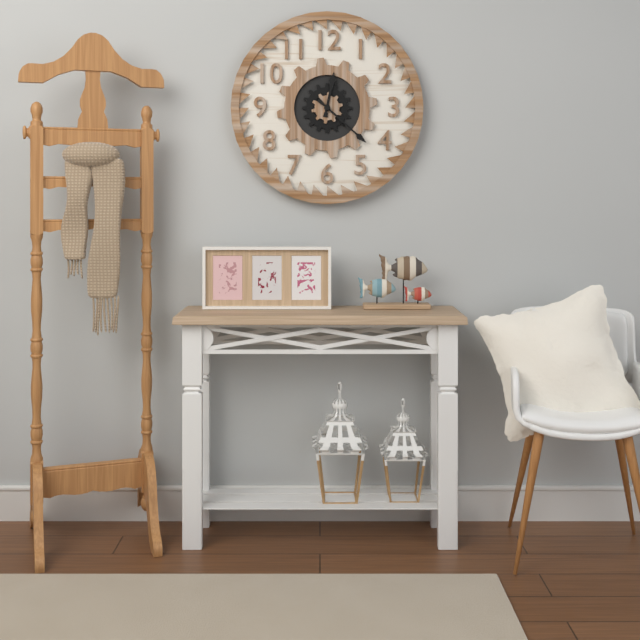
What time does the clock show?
12:22
